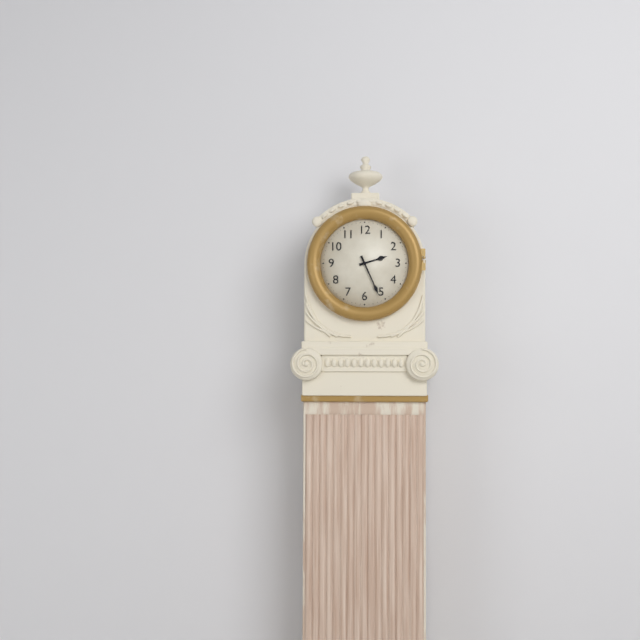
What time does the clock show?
2:26
